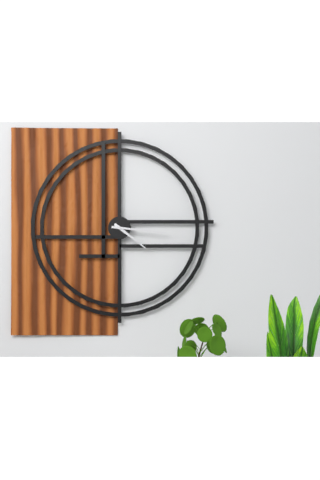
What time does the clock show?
4:16
